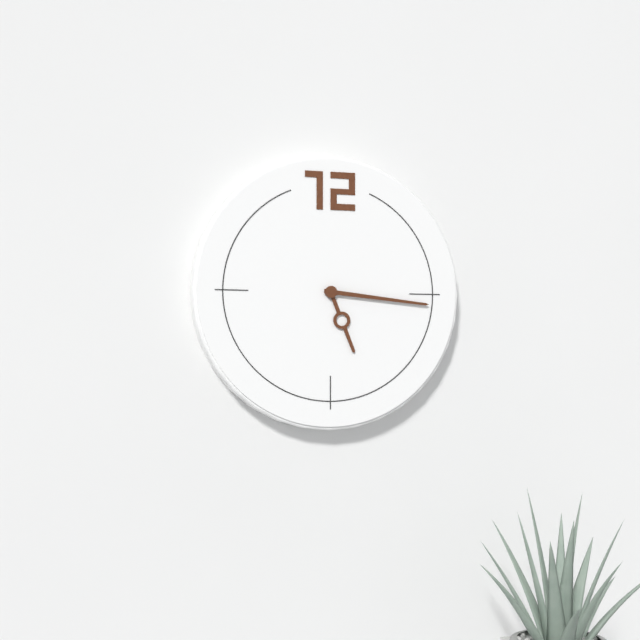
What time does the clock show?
5:16
